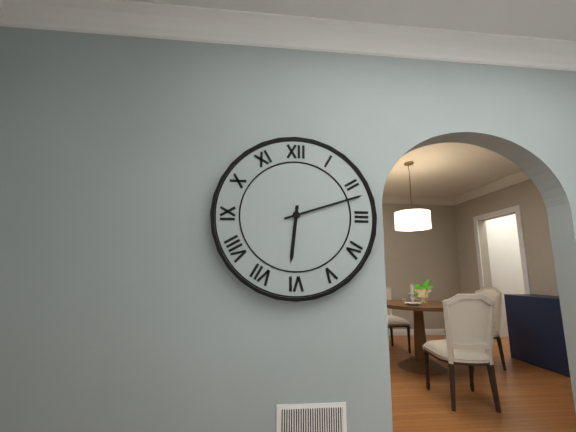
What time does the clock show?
6:12
